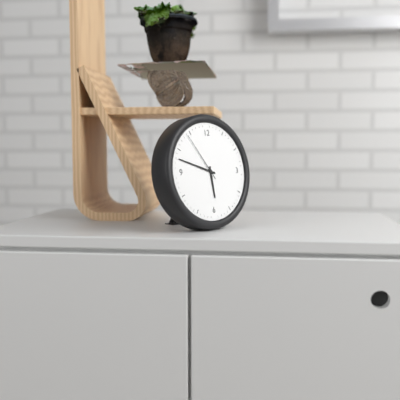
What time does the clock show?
5:48:54
